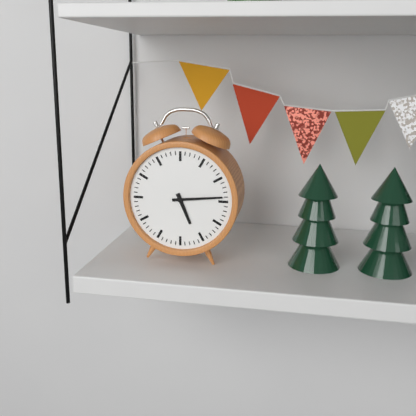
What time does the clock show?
5:14
